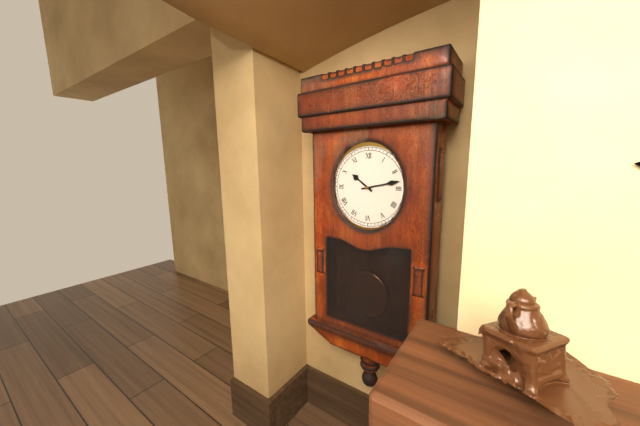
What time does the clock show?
10:13
